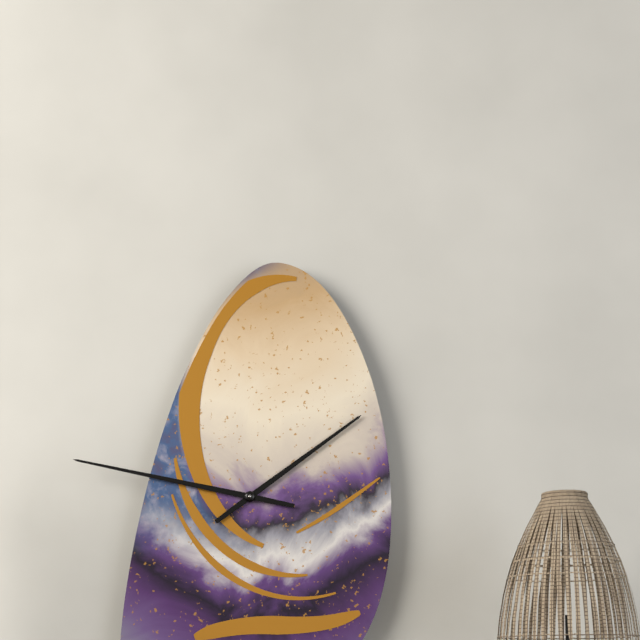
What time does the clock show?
1:47
